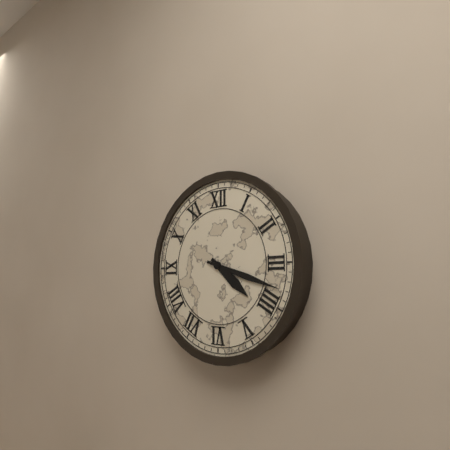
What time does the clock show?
4:18
